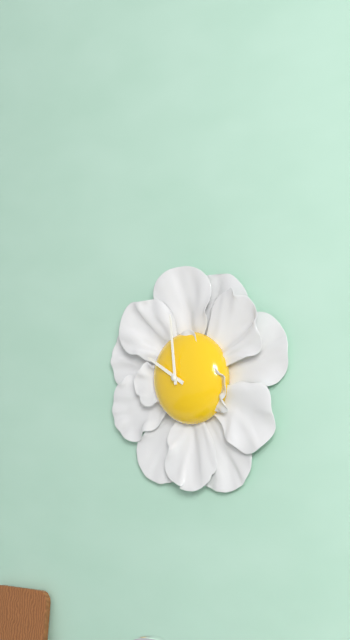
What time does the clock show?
9:59
